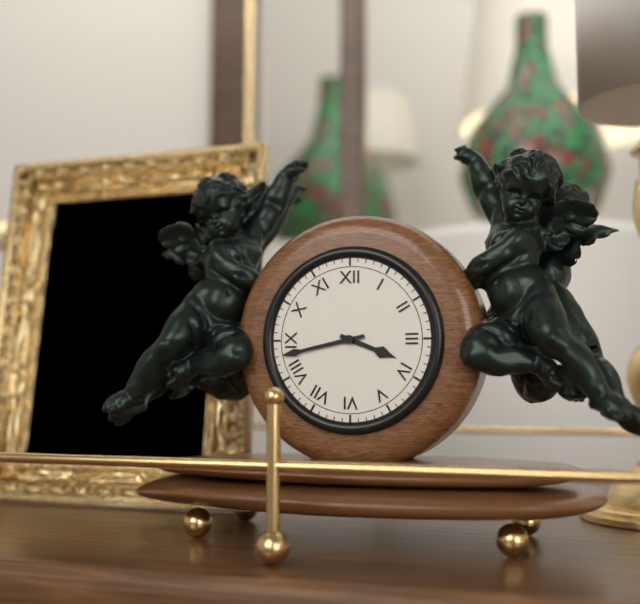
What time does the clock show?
3:43
